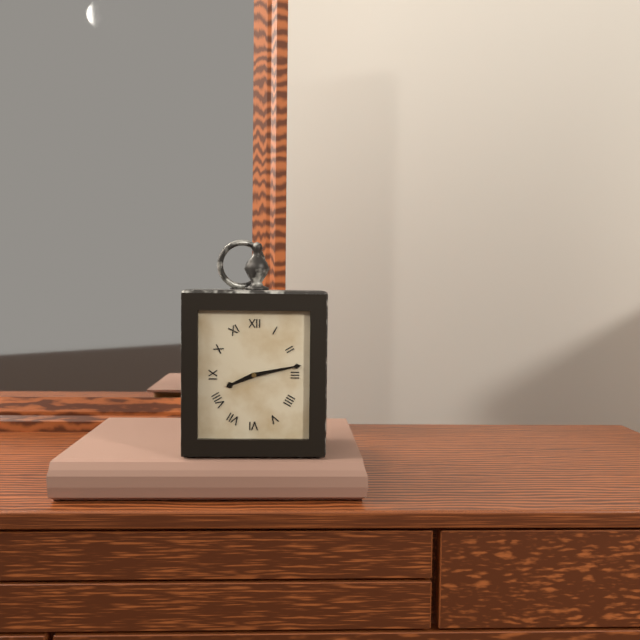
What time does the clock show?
8:13
